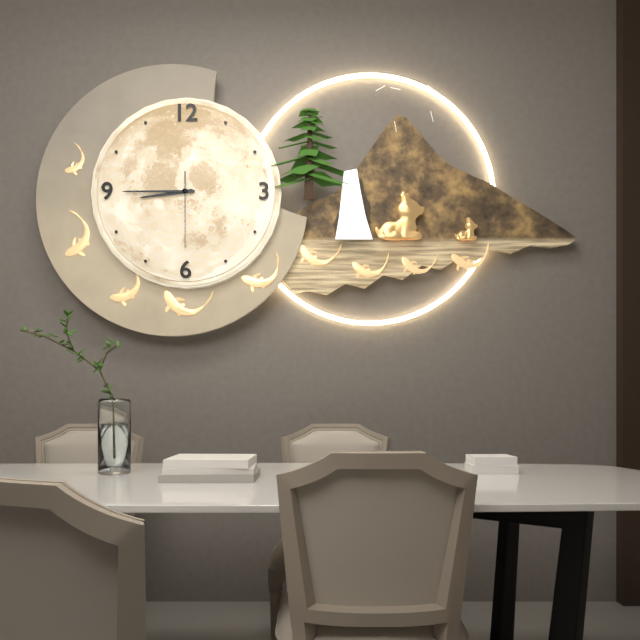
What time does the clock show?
8:45:30
